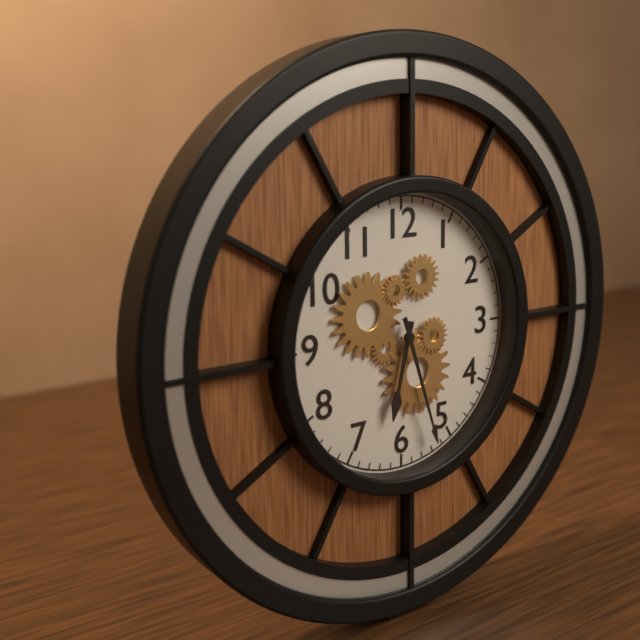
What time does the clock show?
6:27
